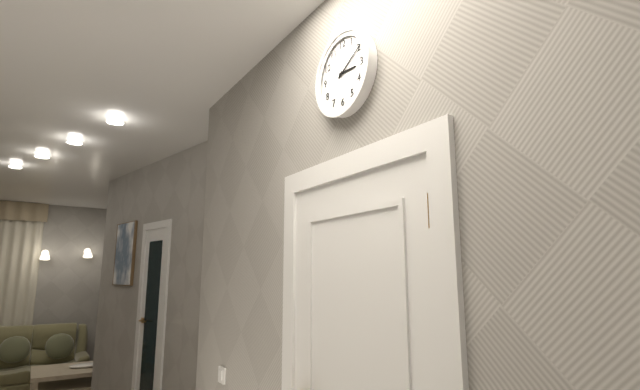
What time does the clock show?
3:10
